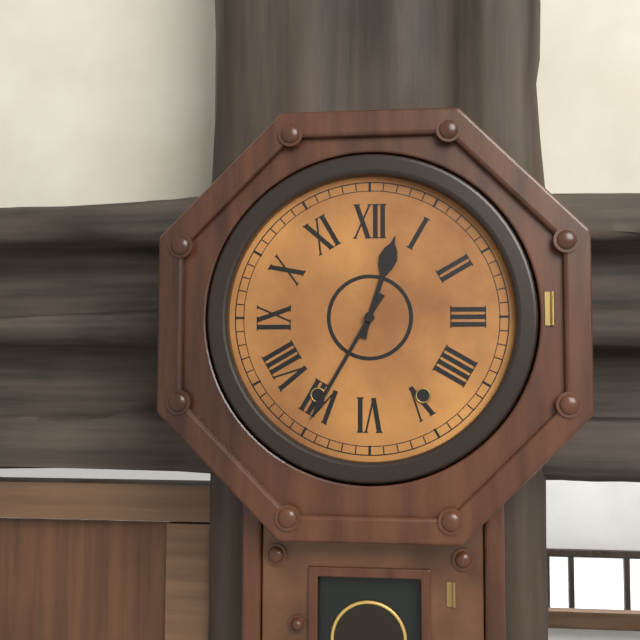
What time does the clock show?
12:35
